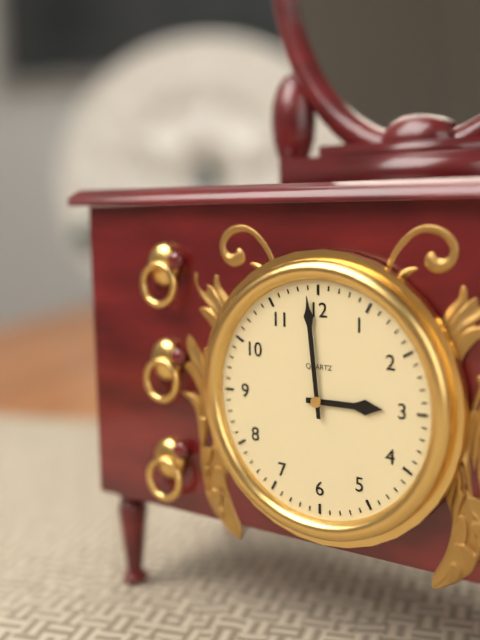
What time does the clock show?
2:59
